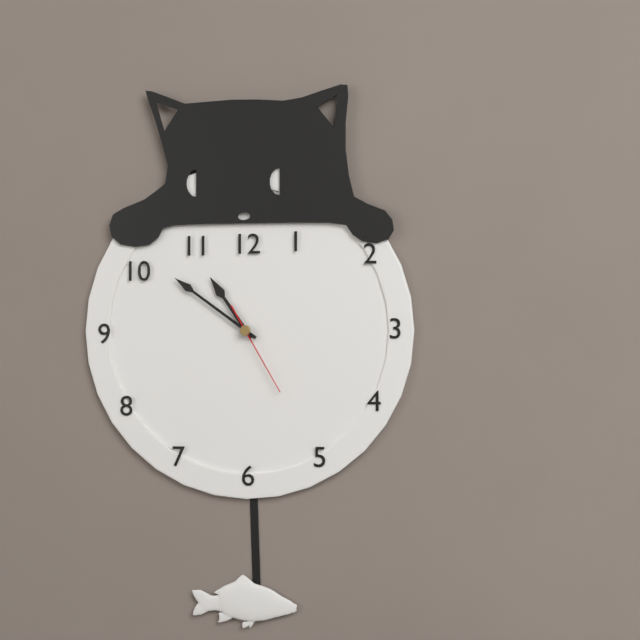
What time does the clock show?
10:51:25
